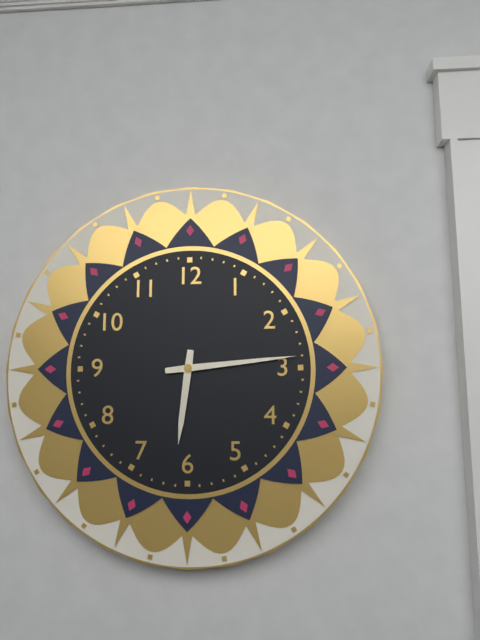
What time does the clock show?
6:14
